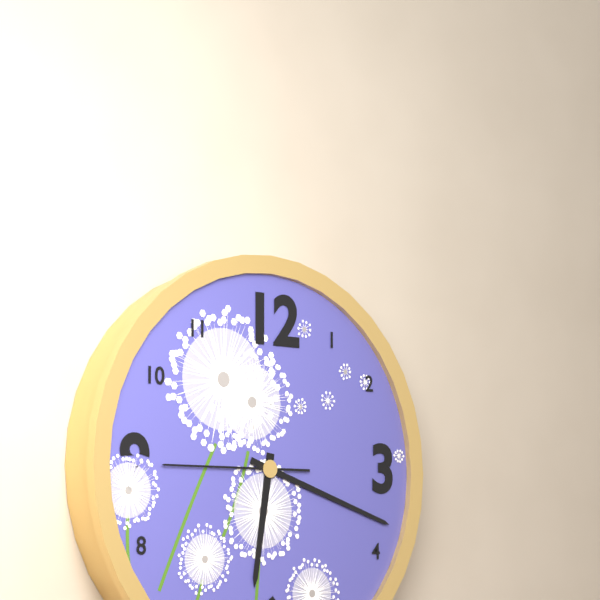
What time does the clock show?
6:18:45
